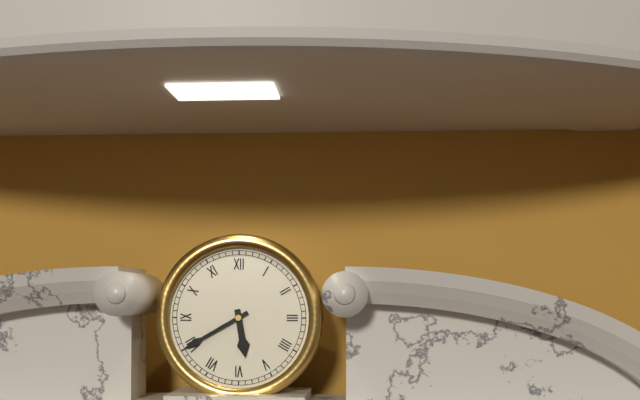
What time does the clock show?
5:40
